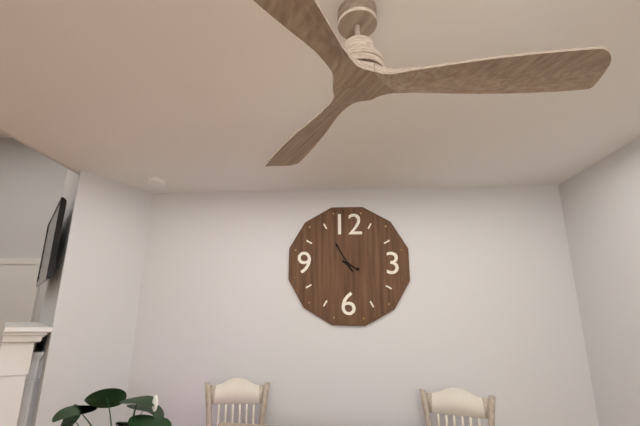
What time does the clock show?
3:55
